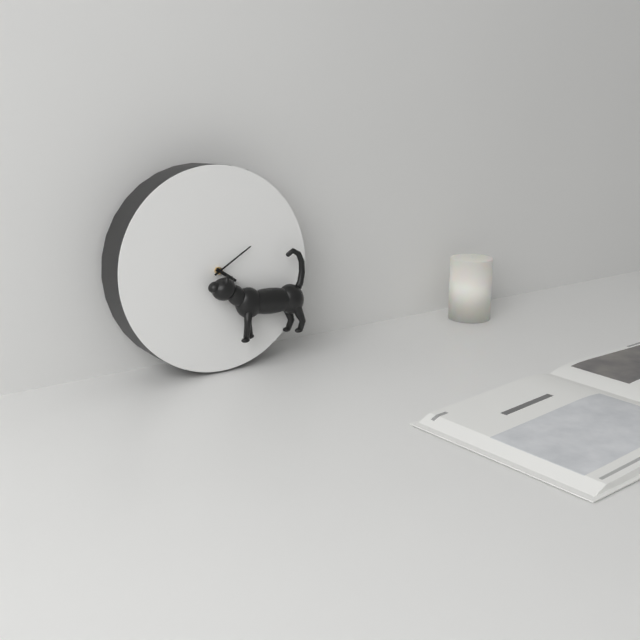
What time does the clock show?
4:10
